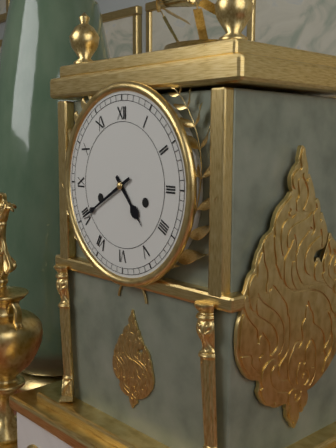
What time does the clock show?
4:40
